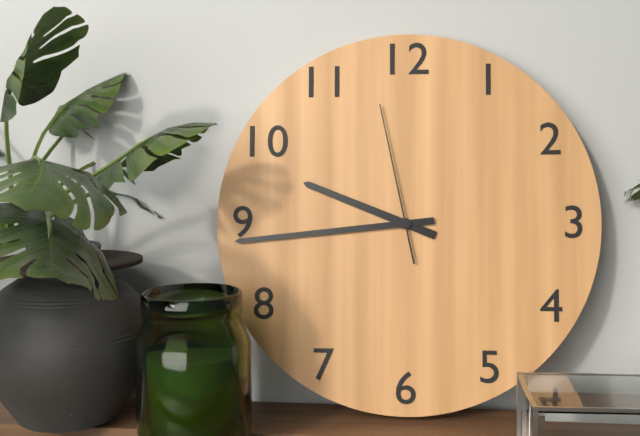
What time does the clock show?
9:44:58
